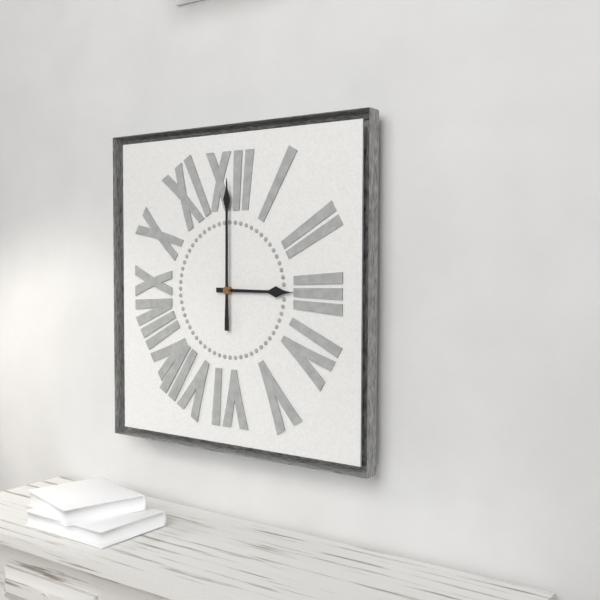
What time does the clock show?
3:00
